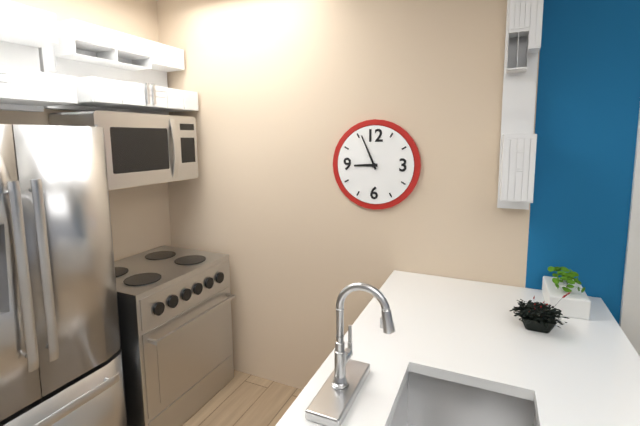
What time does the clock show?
8:56
